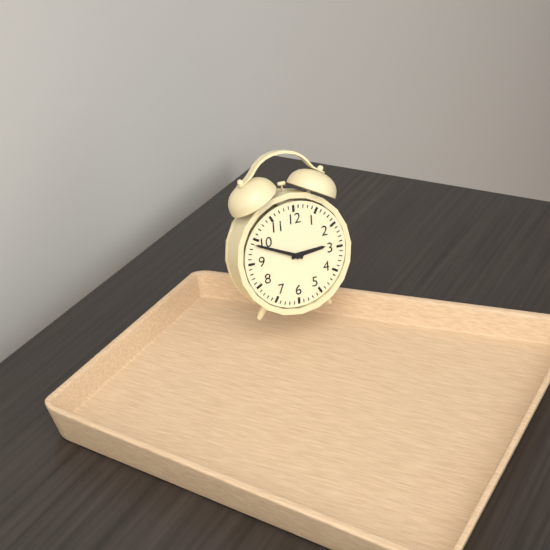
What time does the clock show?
2:49
